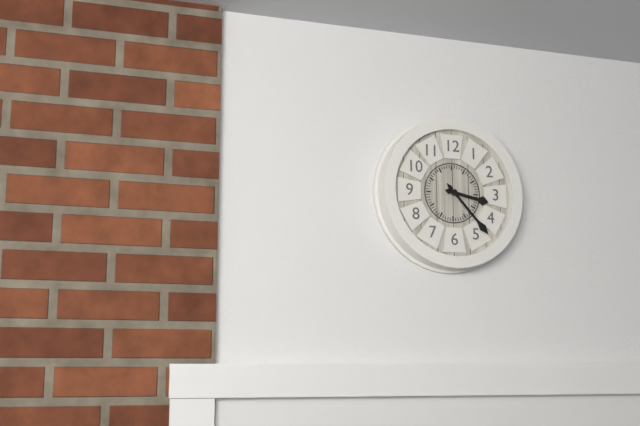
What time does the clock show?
3:23
